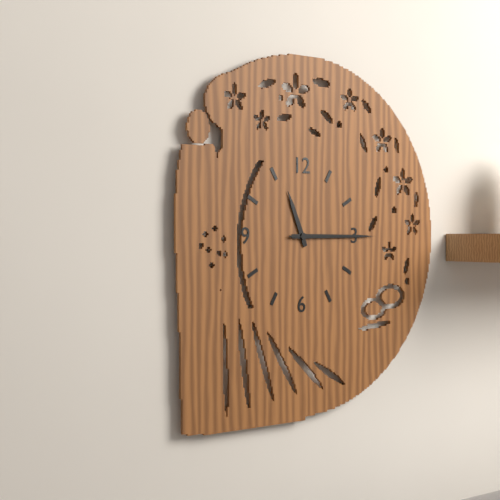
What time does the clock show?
11:15:15
